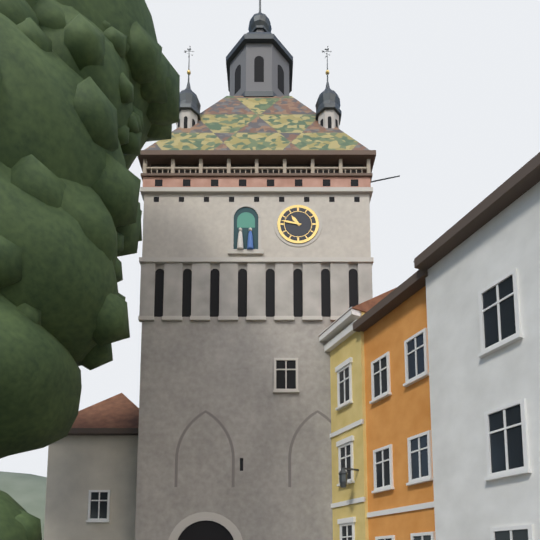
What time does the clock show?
10:47
